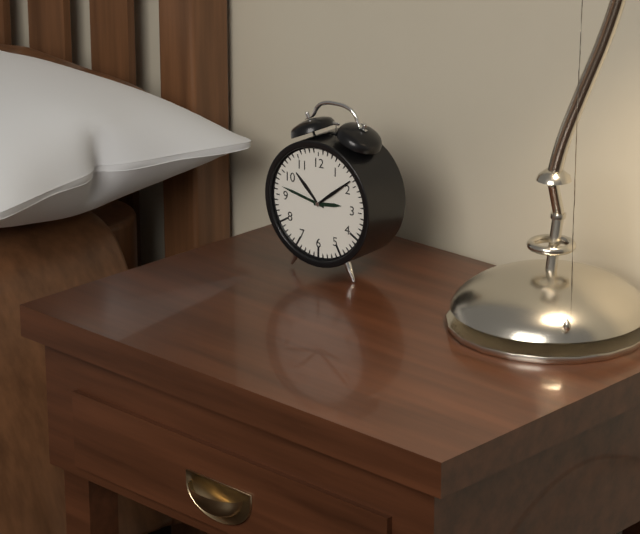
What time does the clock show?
2:47
